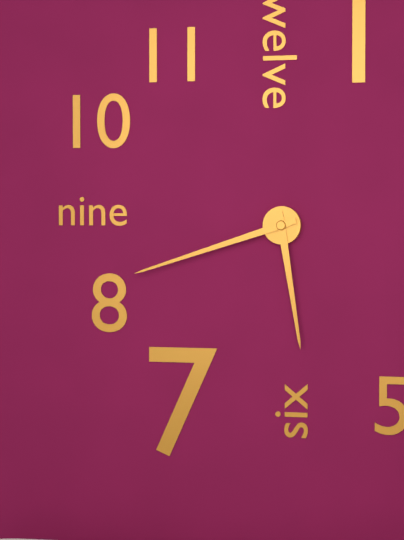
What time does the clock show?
5:42
